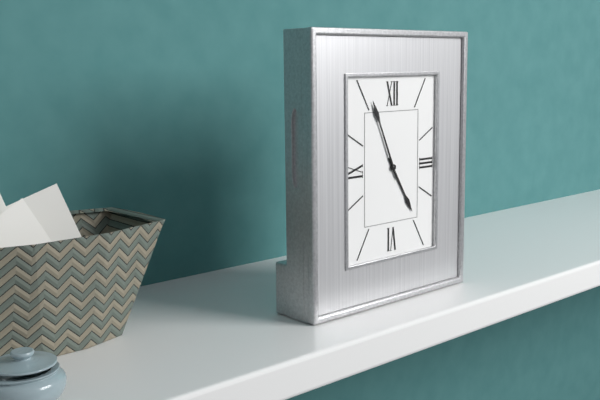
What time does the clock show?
4:56
